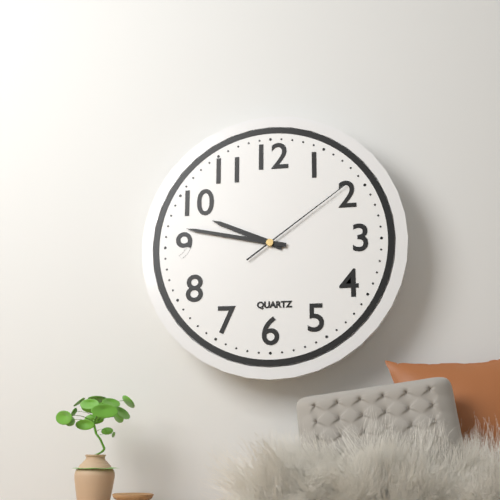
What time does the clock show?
9:47:09
